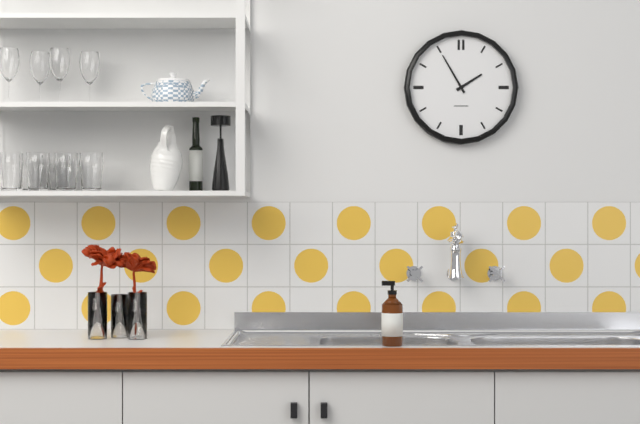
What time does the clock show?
1:55
